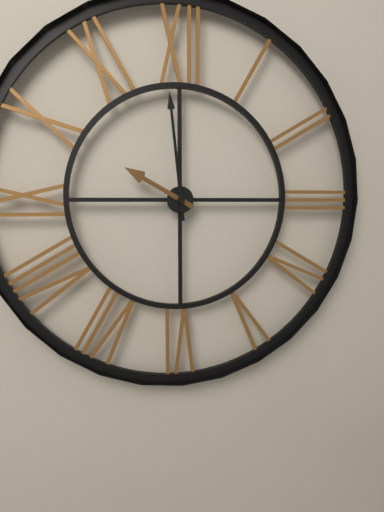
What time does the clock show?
9:59
